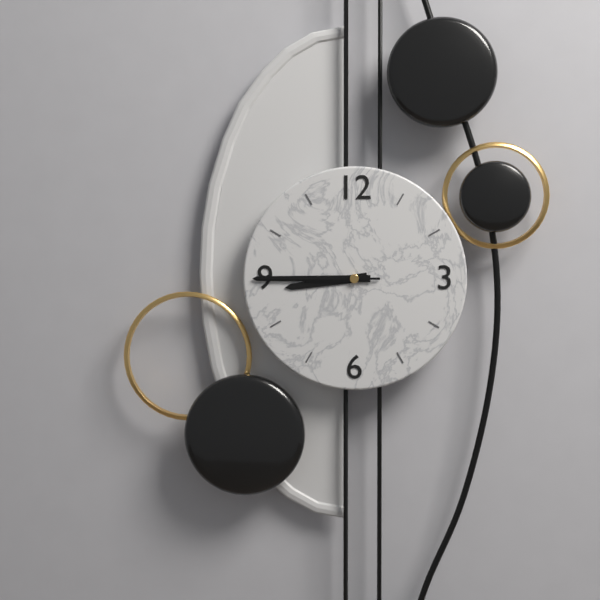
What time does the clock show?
8:45:45
